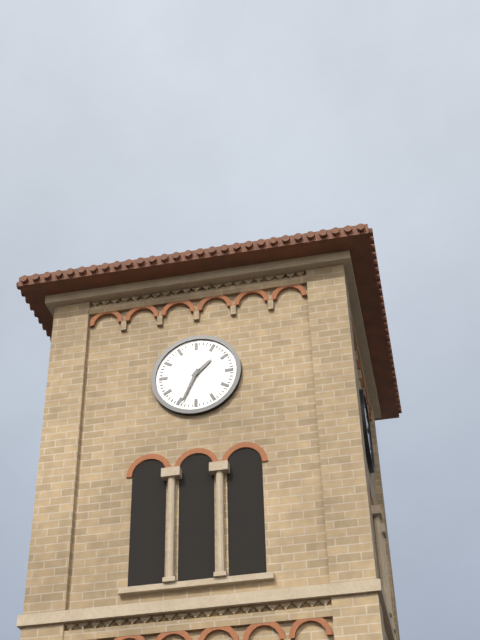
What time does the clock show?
1:34
